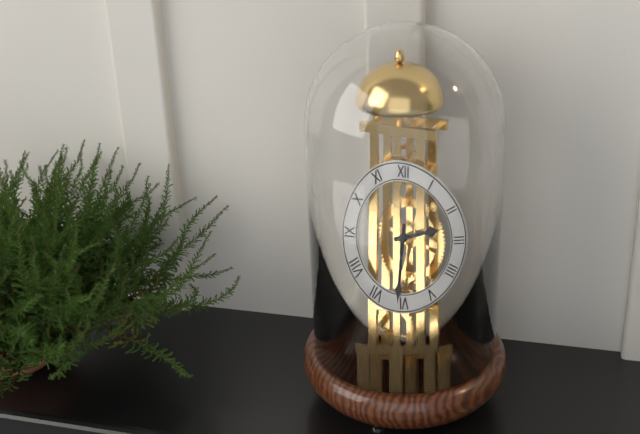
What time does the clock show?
2:31
